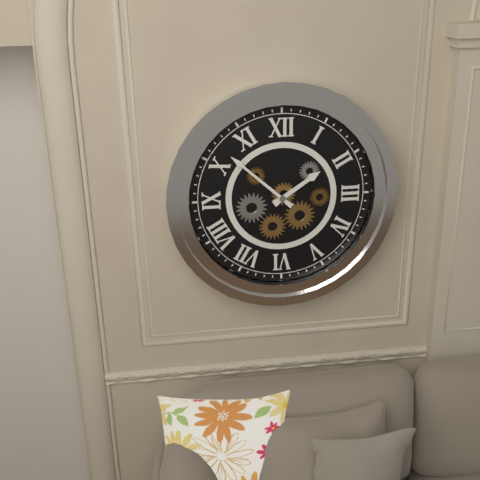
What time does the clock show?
1:52
